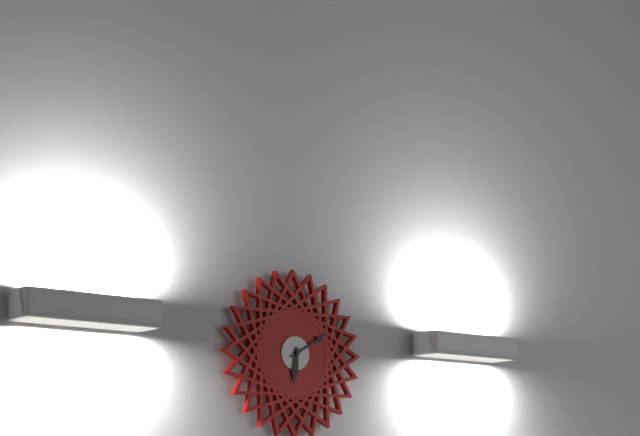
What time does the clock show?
6:10
